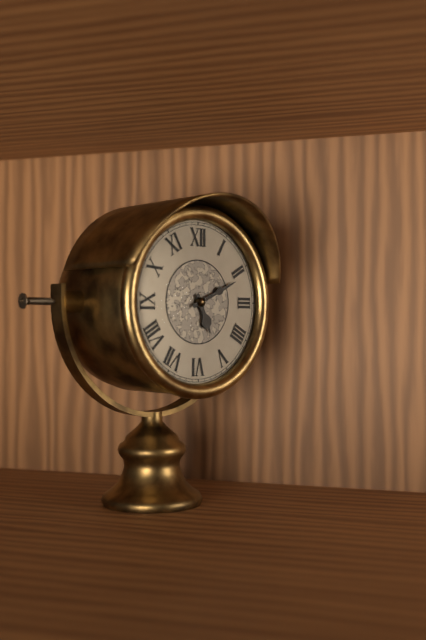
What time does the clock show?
5:11
